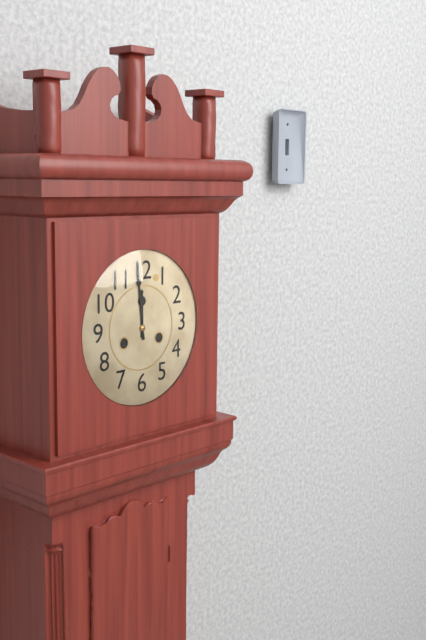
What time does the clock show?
11:59
